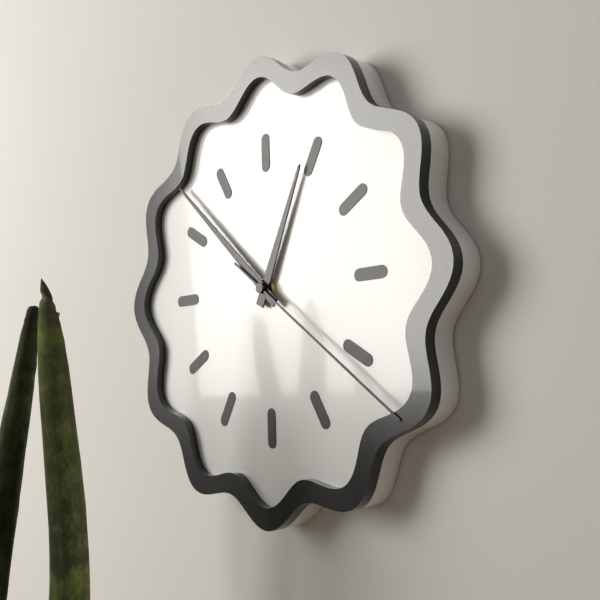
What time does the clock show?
12:52:21
